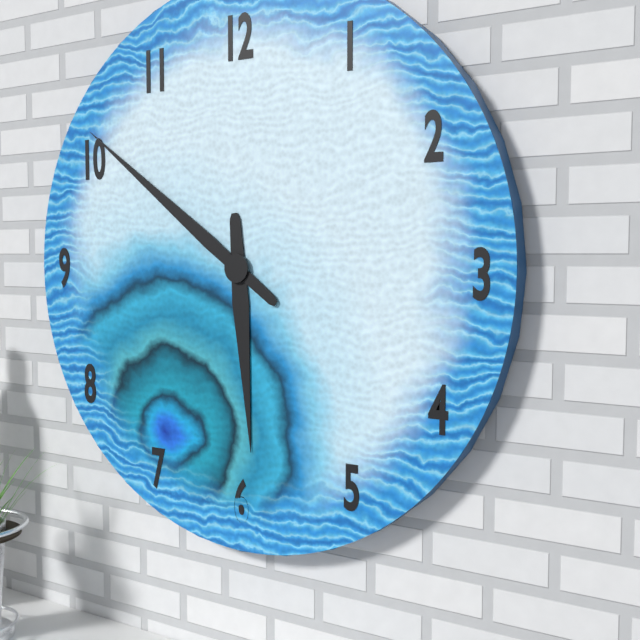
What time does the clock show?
5:51
